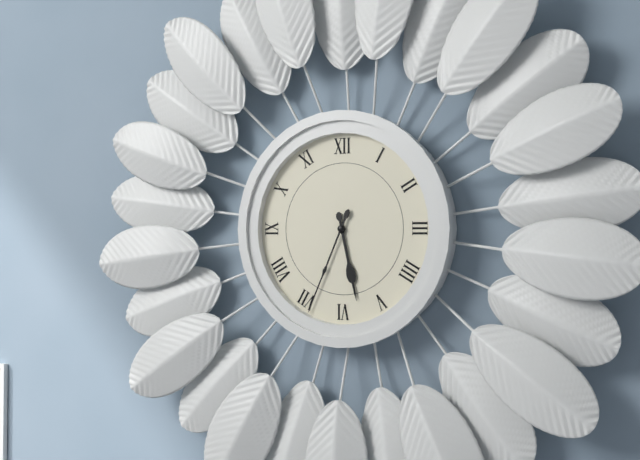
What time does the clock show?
5:34
